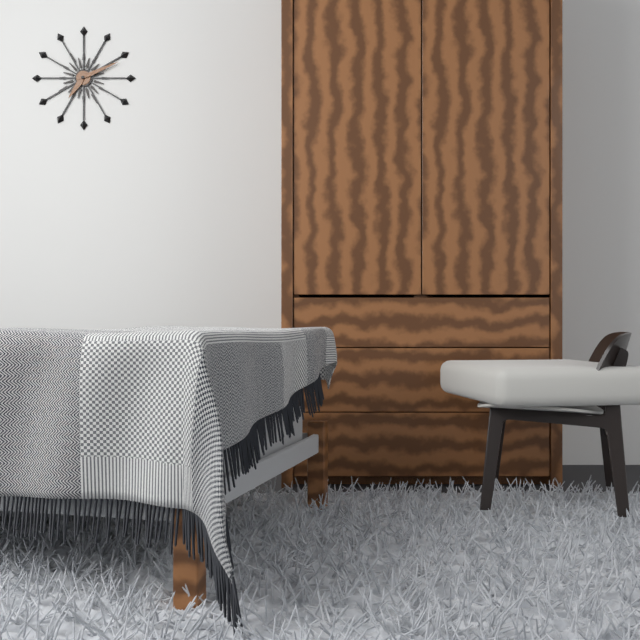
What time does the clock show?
7:11
